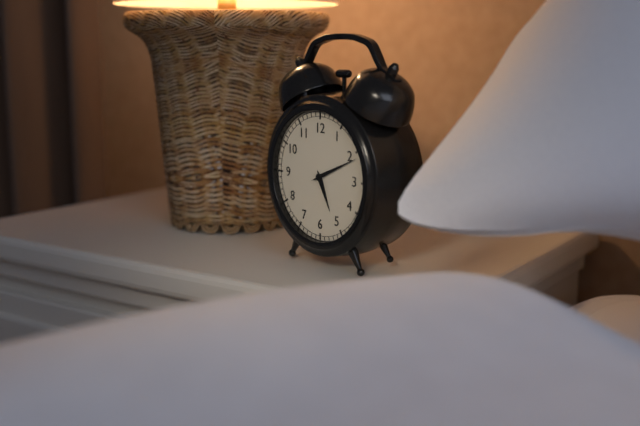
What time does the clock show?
5:11
